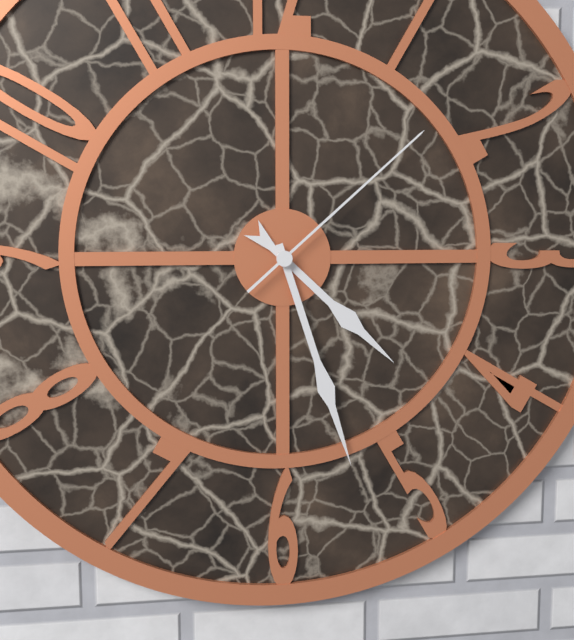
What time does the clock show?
4:27:08
